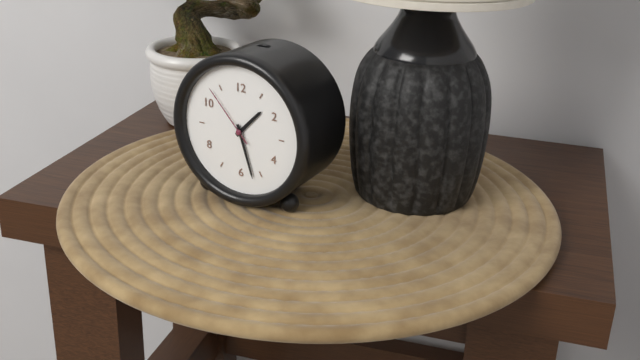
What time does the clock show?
1:27:53
